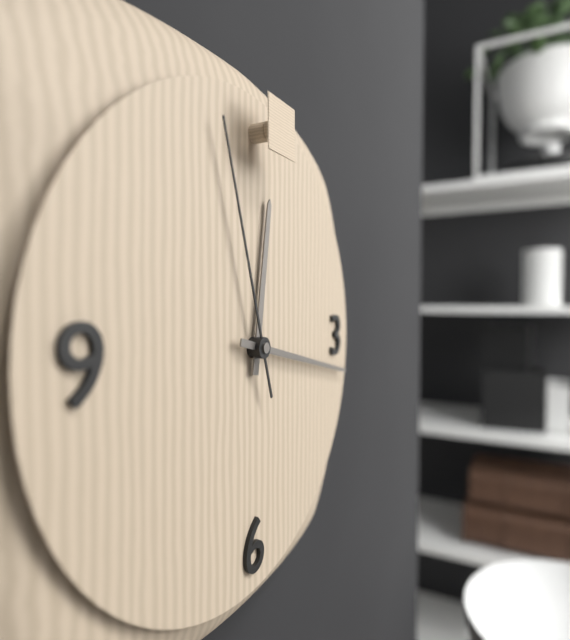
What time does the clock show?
12:17:57
